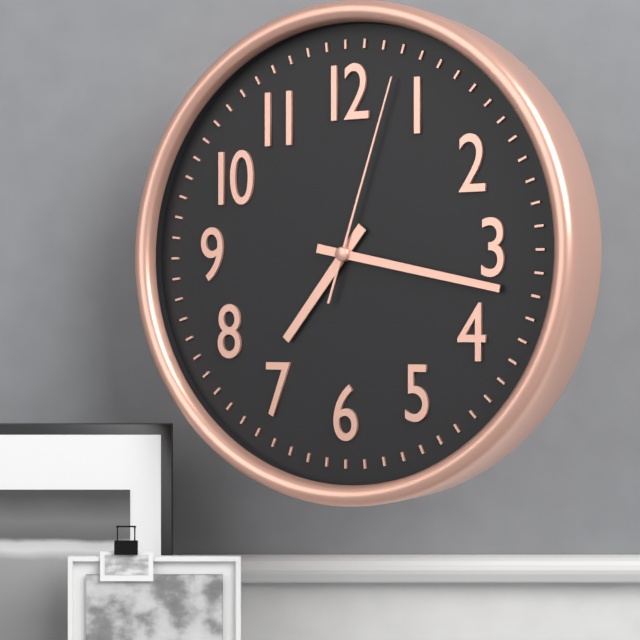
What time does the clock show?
7:17:03
